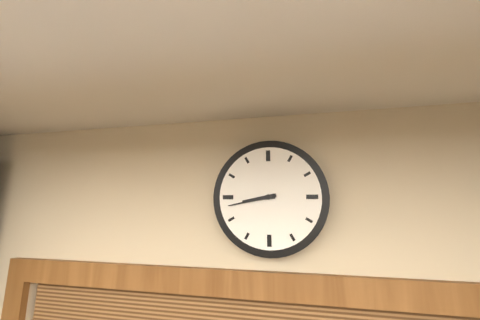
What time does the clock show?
8:43
